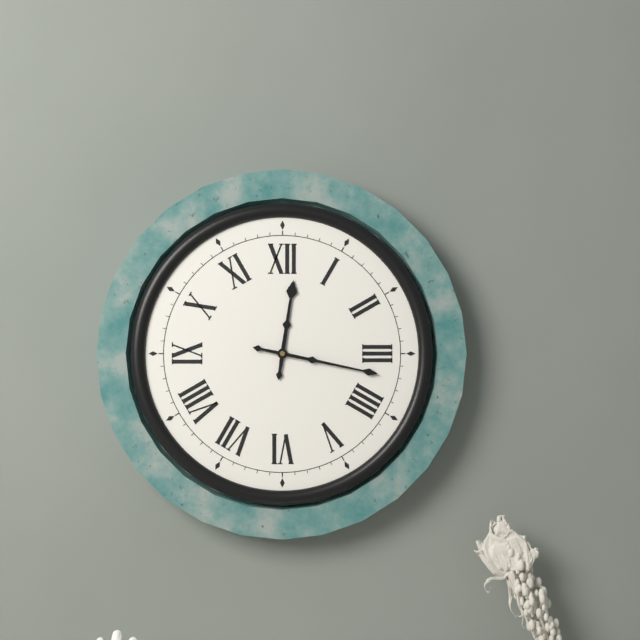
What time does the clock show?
12:17
